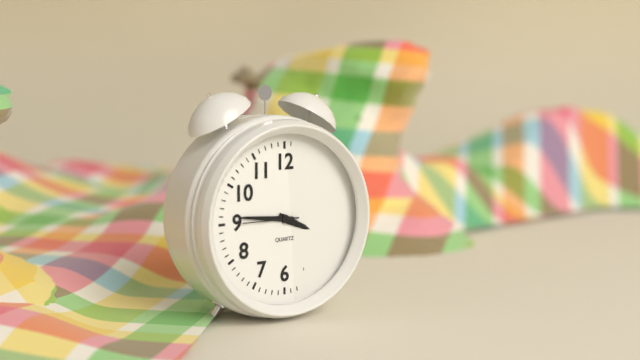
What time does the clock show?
3:46:45
